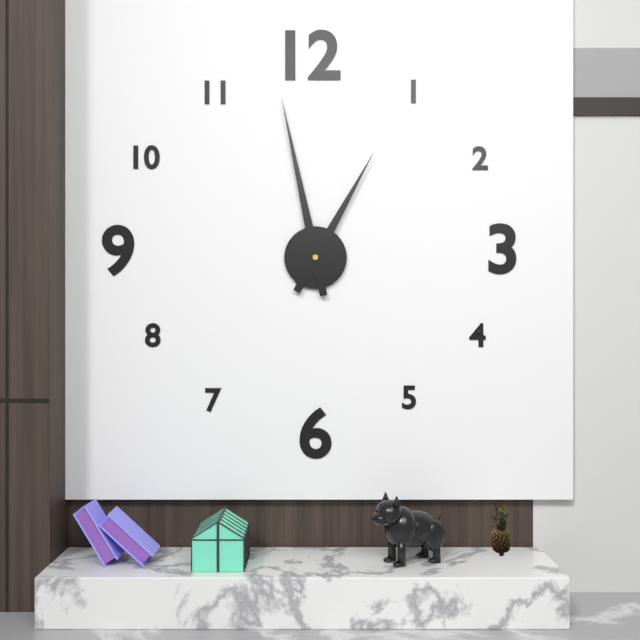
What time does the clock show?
12:58
